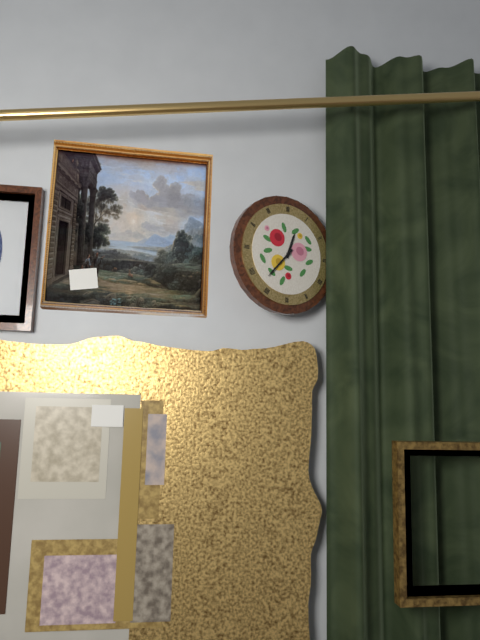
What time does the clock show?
12:37
